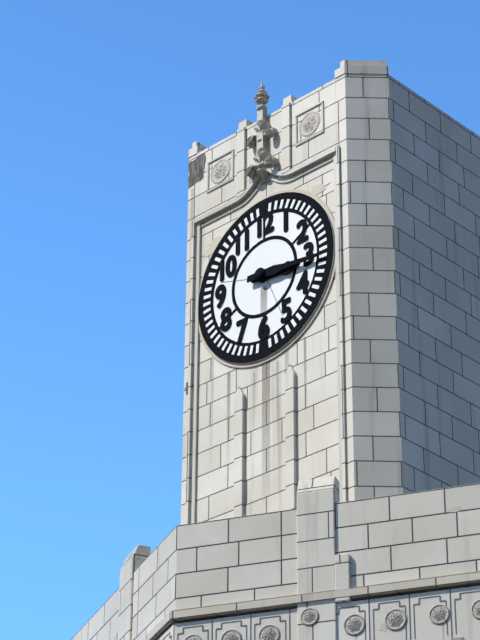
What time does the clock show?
3:16
